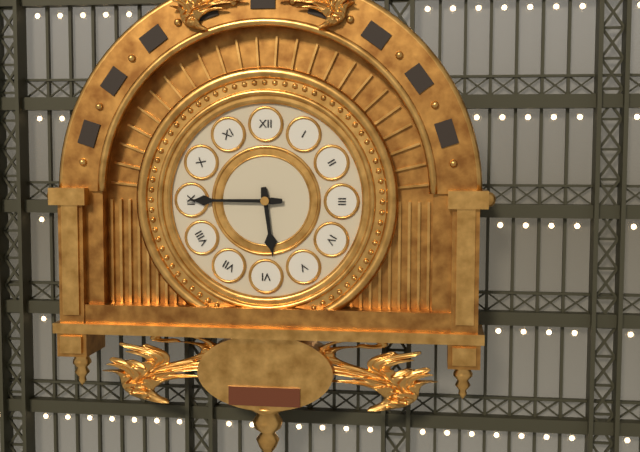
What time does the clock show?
5:45
